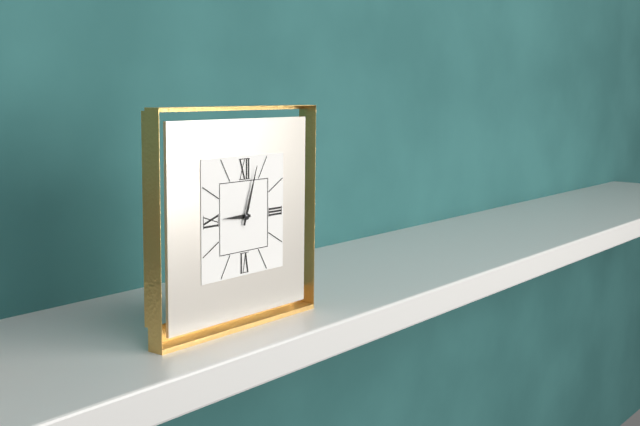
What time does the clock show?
9:03
